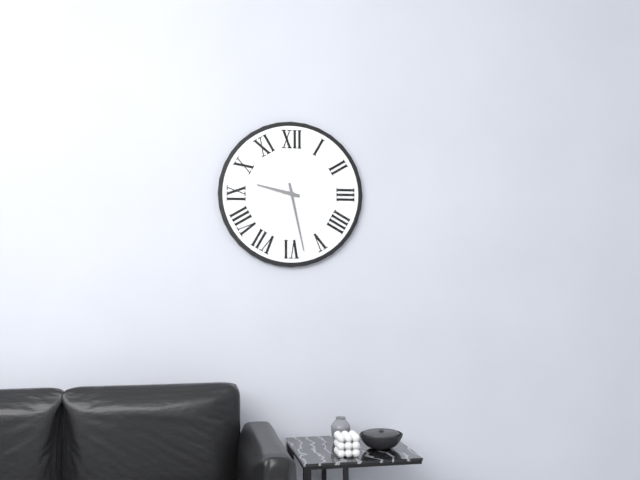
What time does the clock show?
9:28
